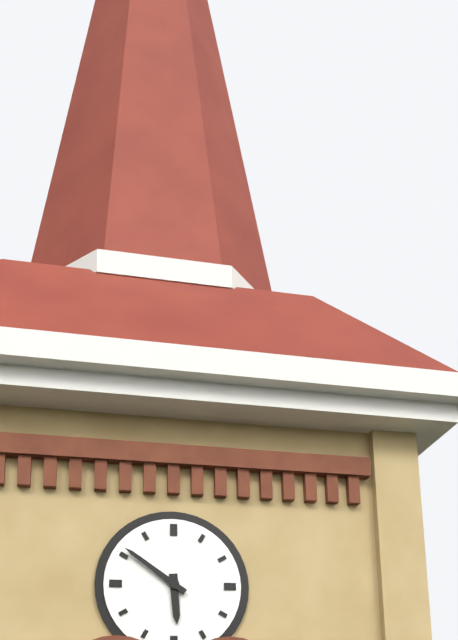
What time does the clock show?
5:51
